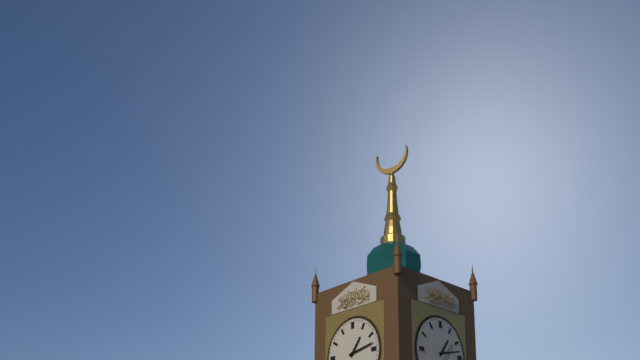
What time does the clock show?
1:13
